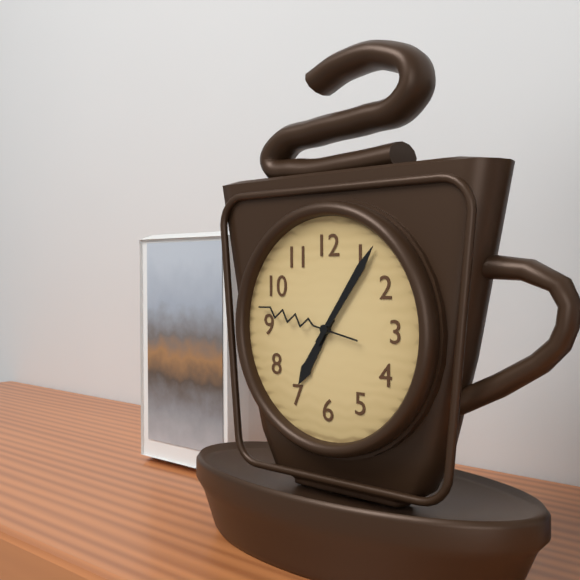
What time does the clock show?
7:06:47
